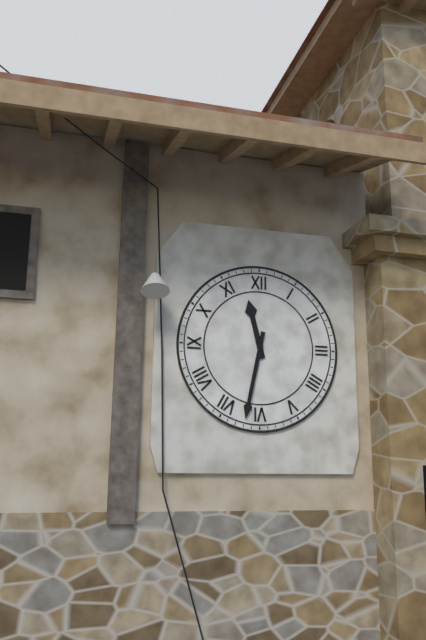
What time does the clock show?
11:32
